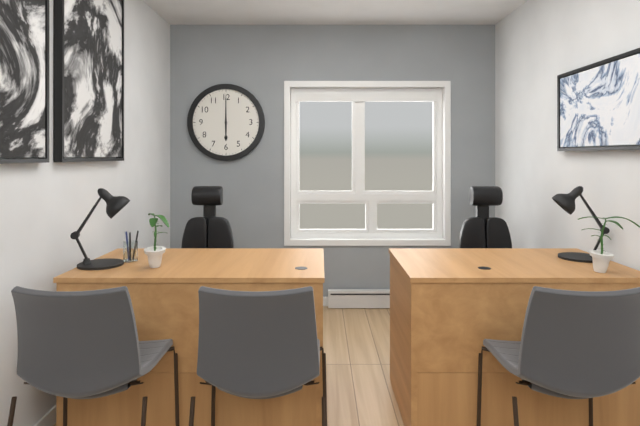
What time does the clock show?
6:00
